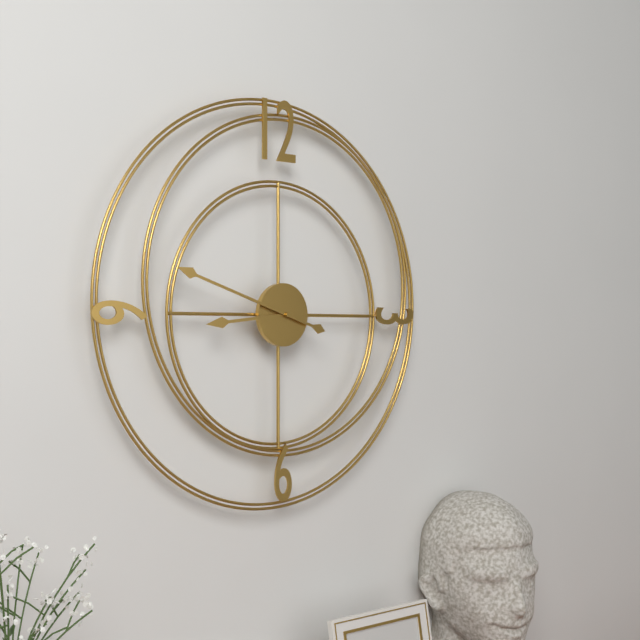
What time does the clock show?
8:48
